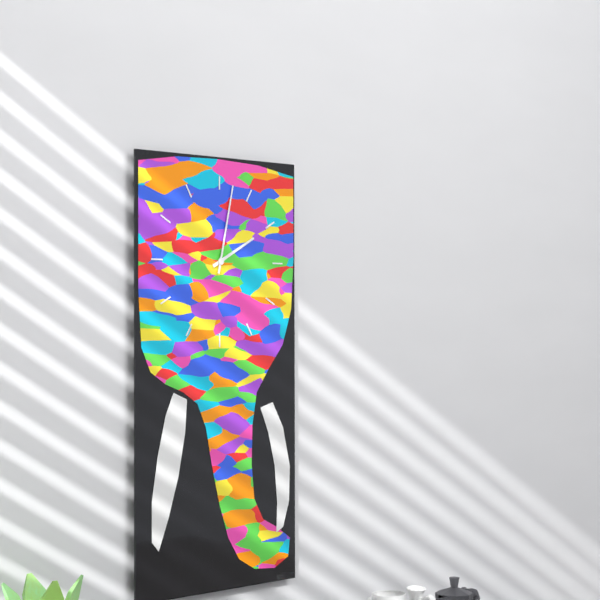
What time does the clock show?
2:02
